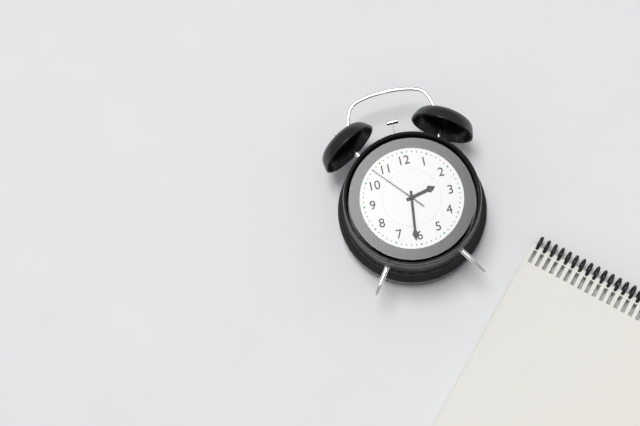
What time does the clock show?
2:31:53
